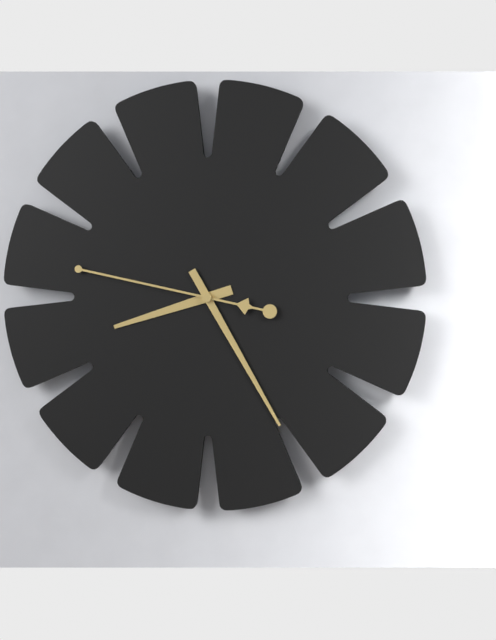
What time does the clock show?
8:25:47
